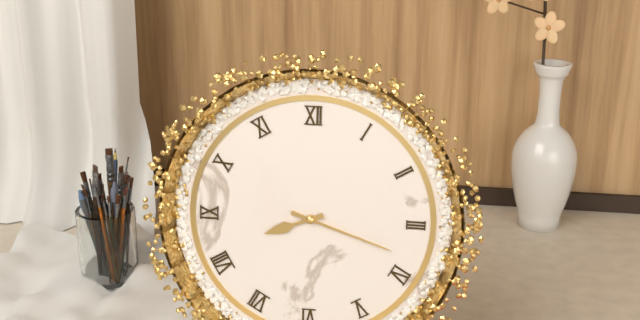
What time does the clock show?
8:18
